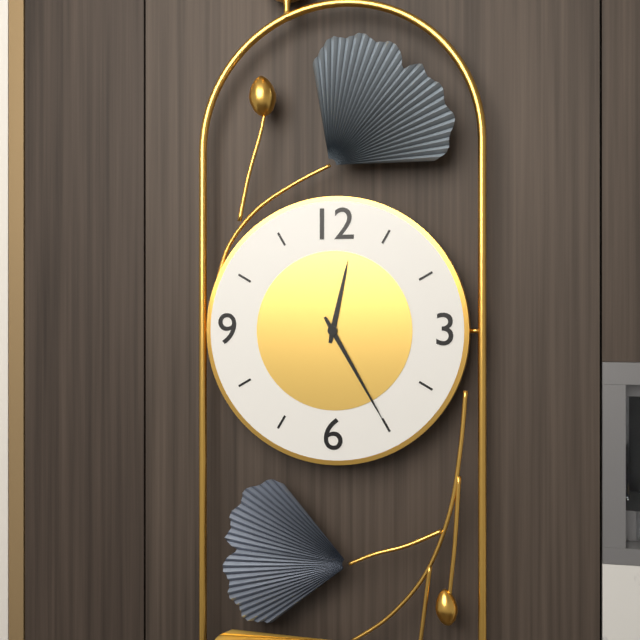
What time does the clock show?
12:25
